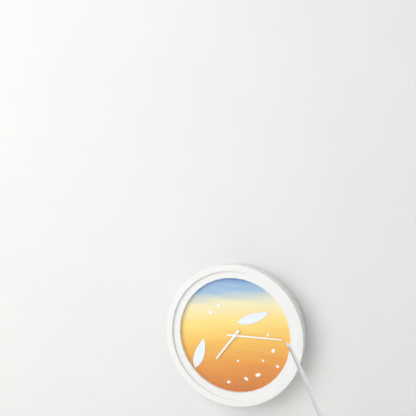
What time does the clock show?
7:15
